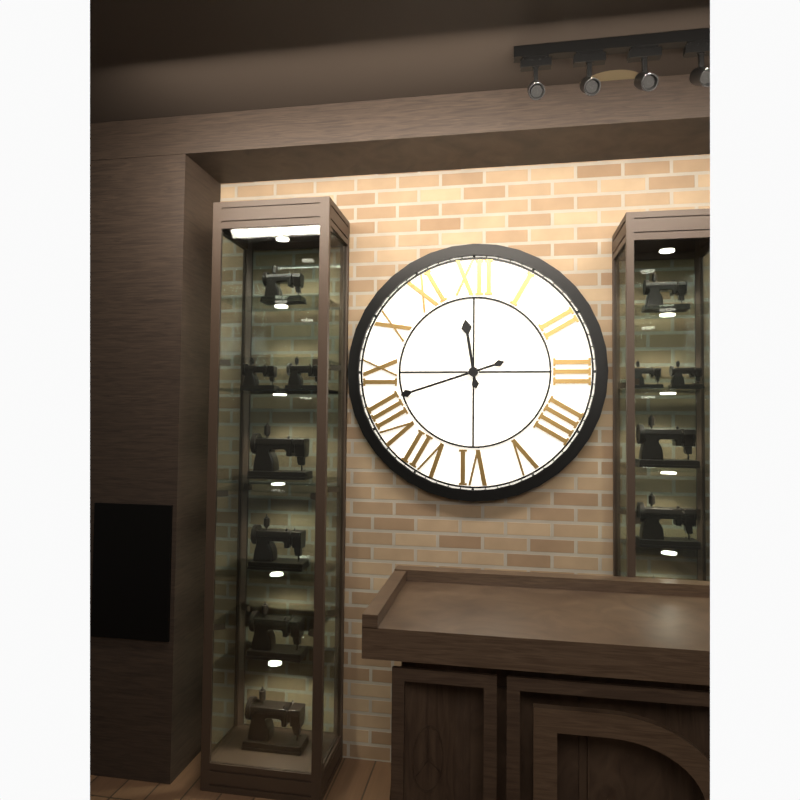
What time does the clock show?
11:42
